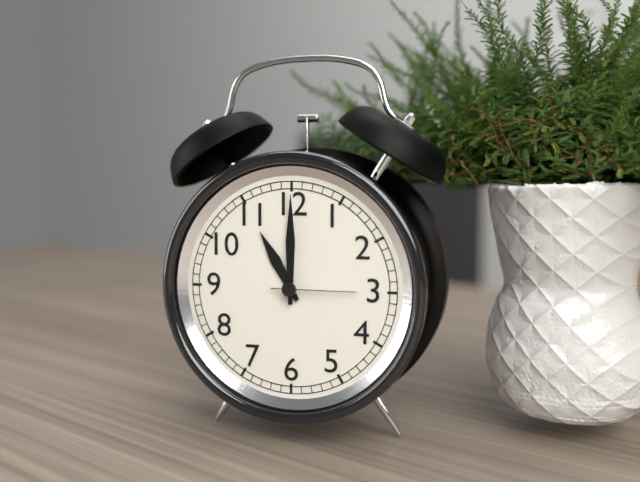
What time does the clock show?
11:00:15
